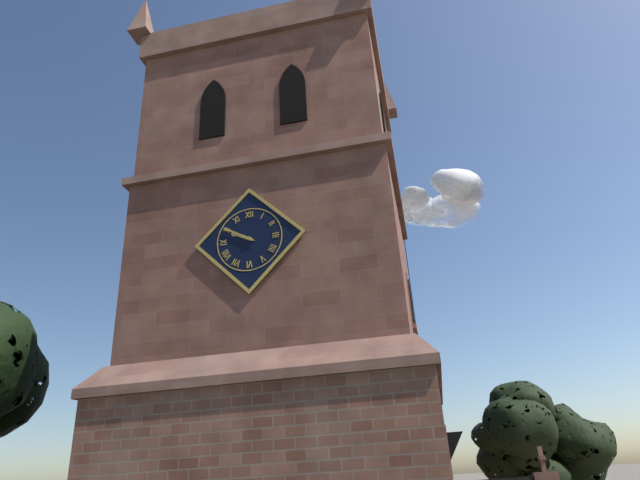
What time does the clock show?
9:50
